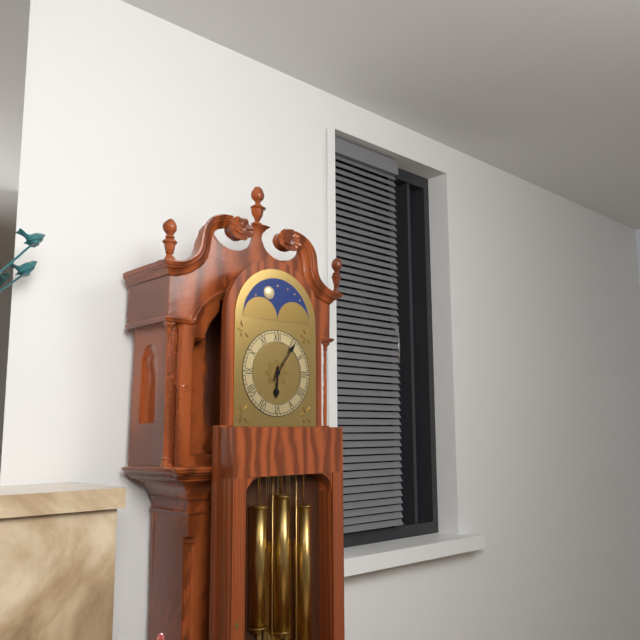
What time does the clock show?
6:06
